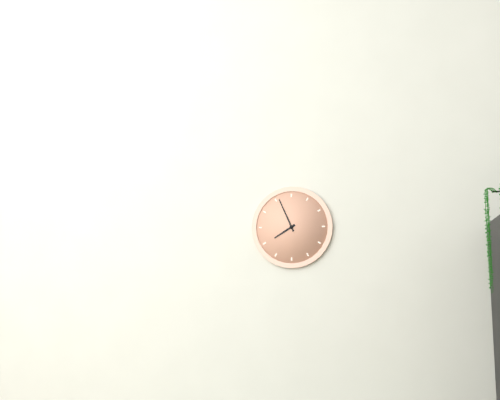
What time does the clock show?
7:56
